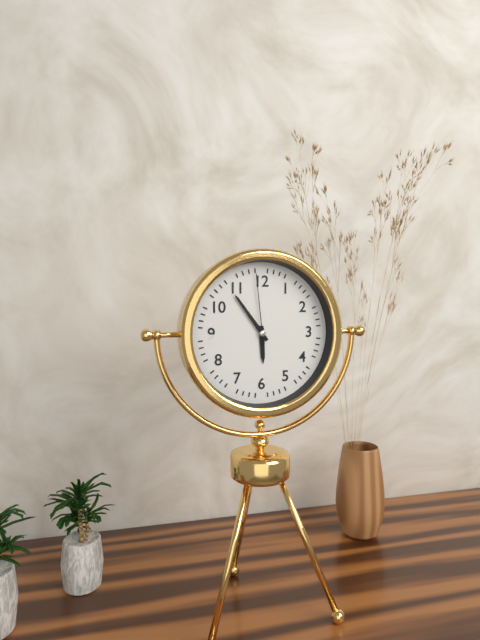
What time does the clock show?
5:54:59
